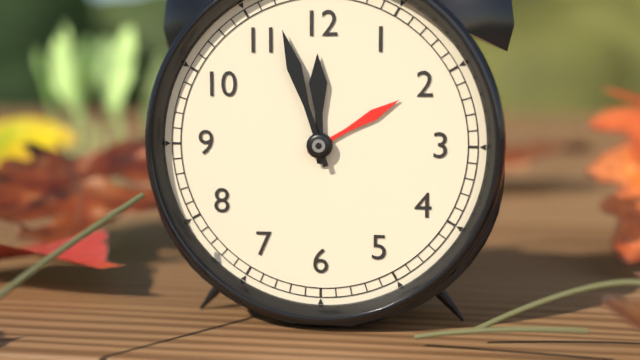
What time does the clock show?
11:57
